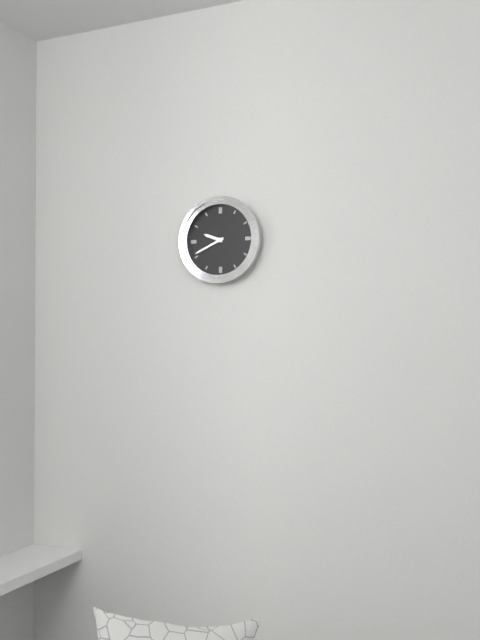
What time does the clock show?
9:41
